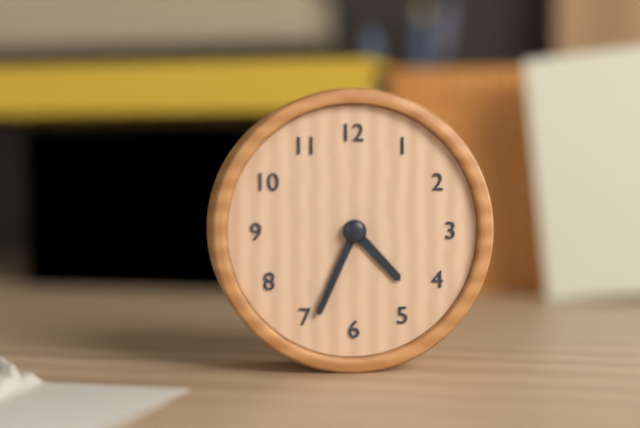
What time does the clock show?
4:34
